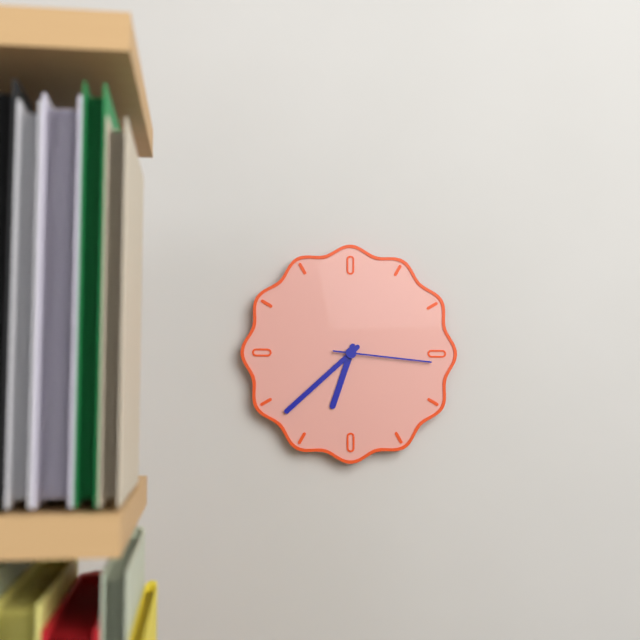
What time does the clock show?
6:38:16
